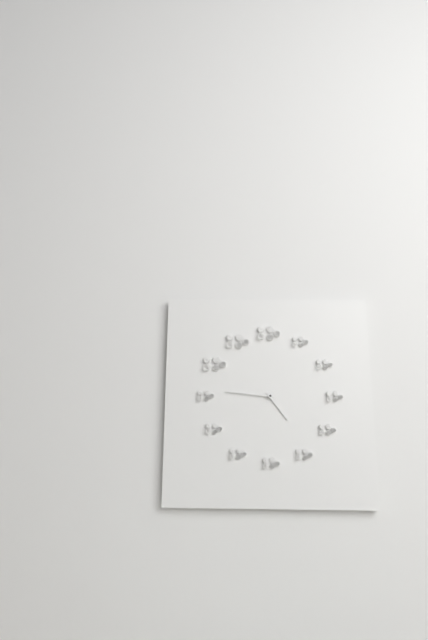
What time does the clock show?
4:46
